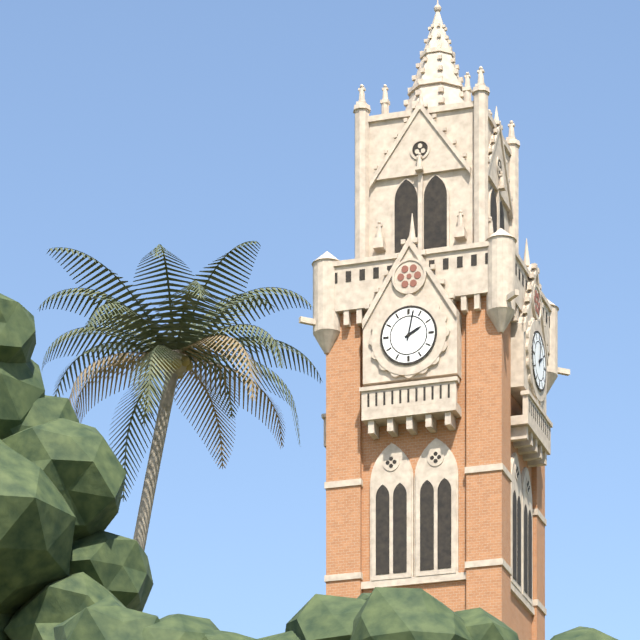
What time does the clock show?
2:02
